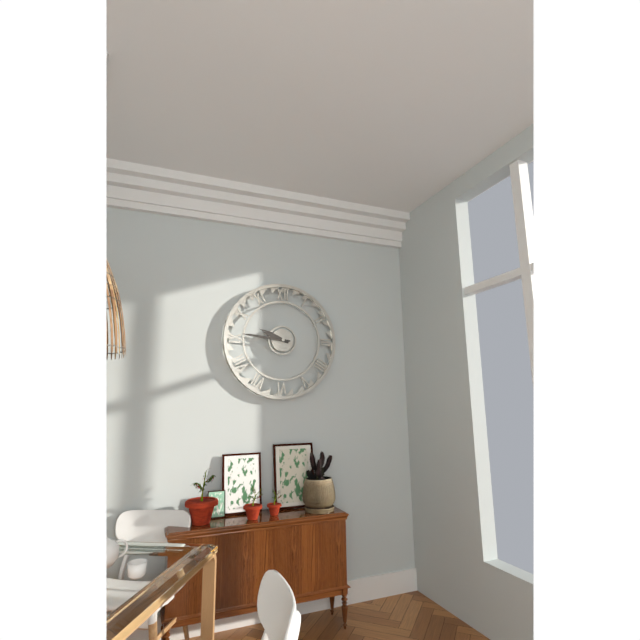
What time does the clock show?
9:46
